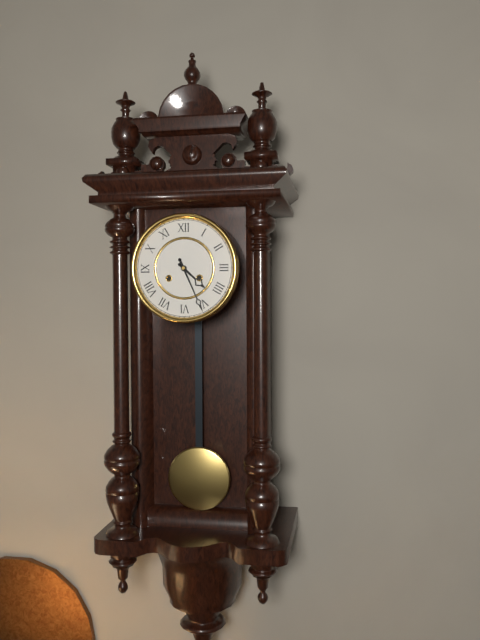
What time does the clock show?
4:26
